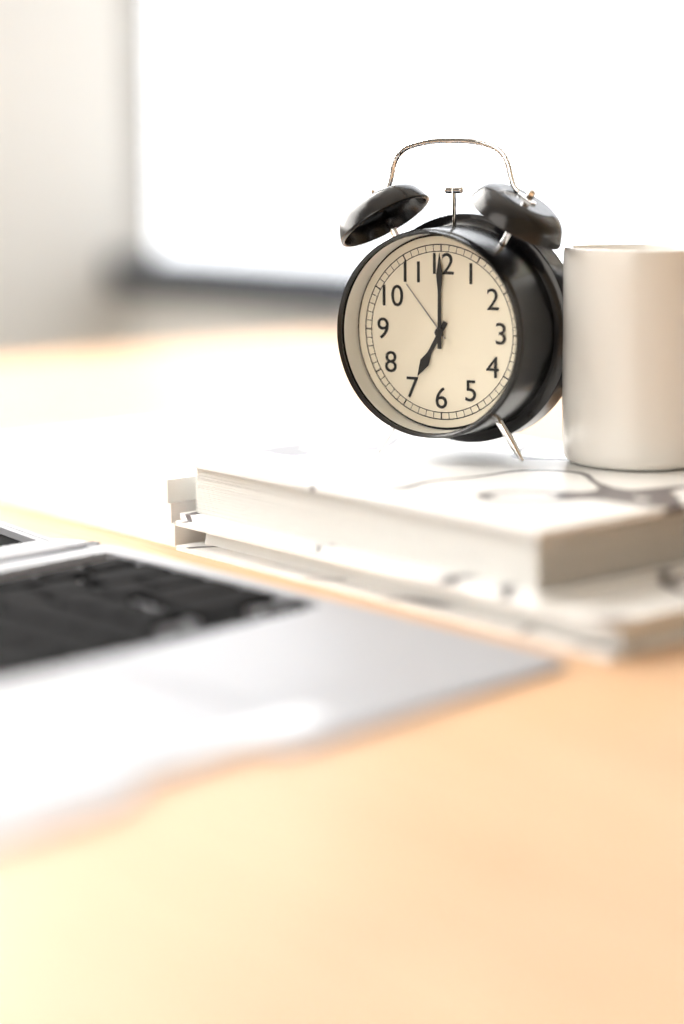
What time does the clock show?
7:00
